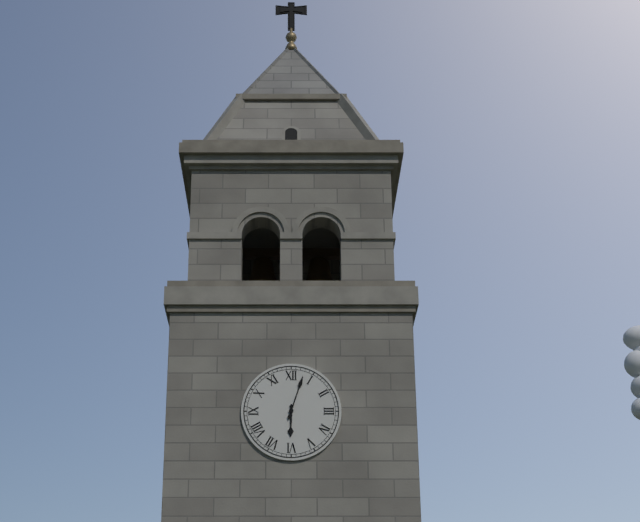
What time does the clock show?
6:03
